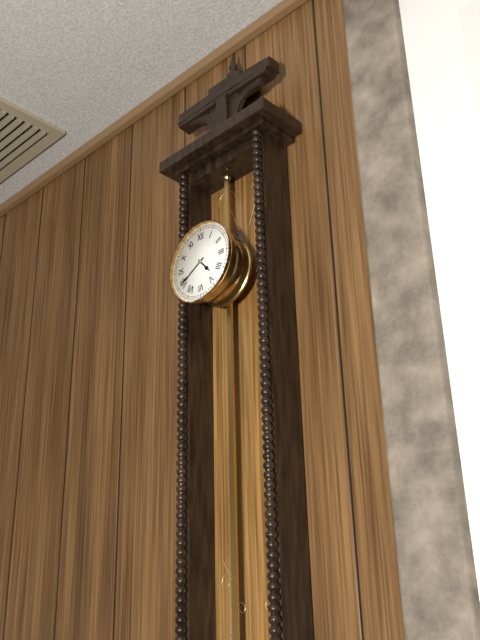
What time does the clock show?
4:40
